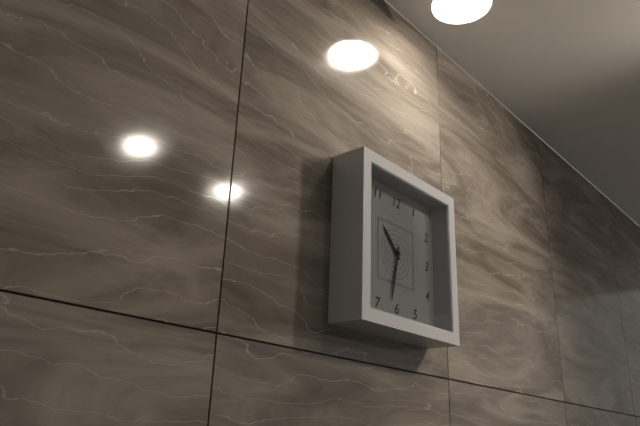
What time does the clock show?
10:32
